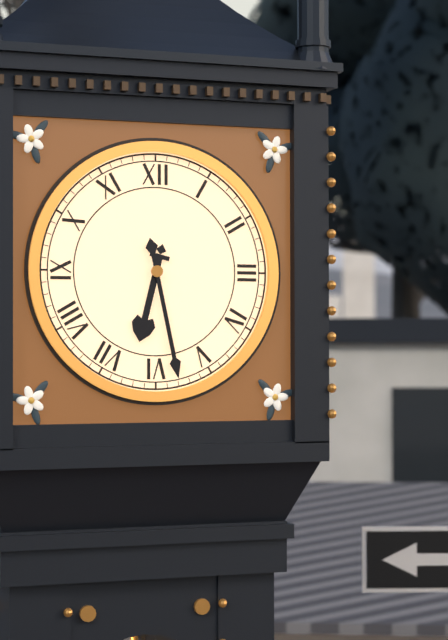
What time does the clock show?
6:28
